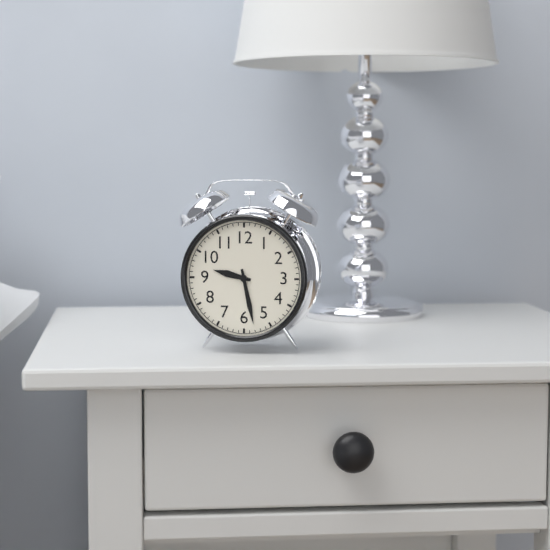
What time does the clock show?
9:28
